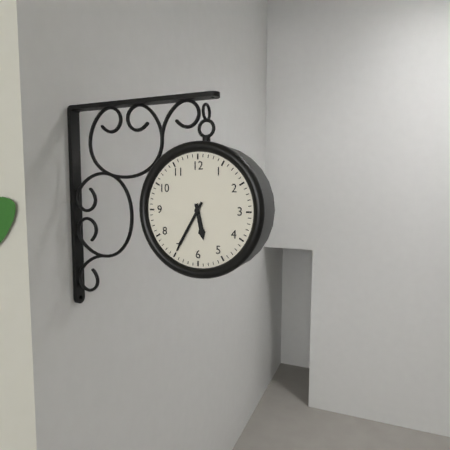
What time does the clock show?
5:35
